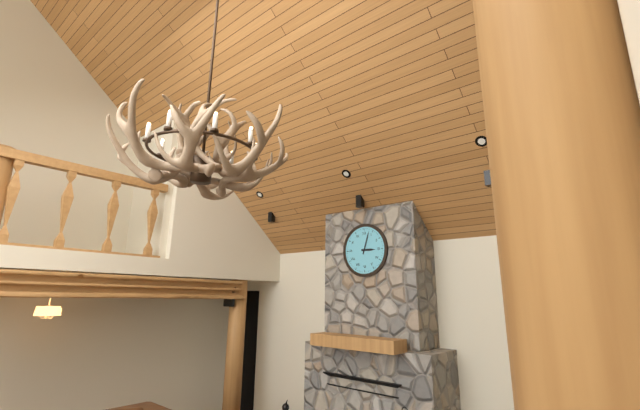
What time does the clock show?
3:03
